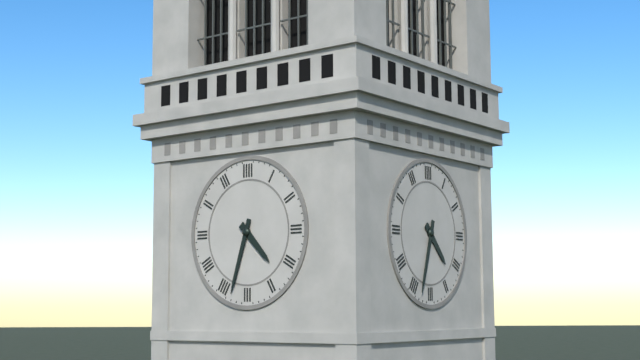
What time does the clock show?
4:33
